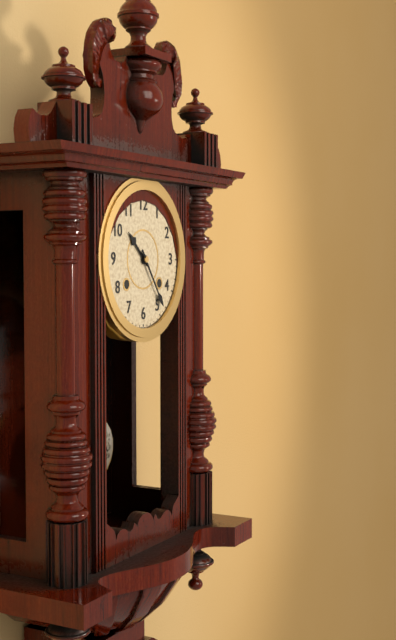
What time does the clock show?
10:24
